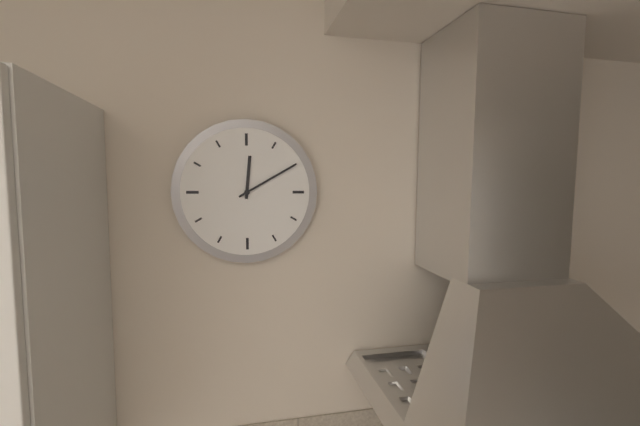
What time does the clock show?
12:10
